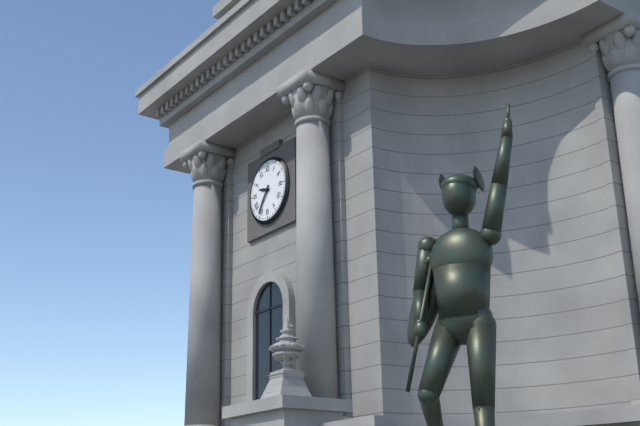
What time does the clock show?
9:36
